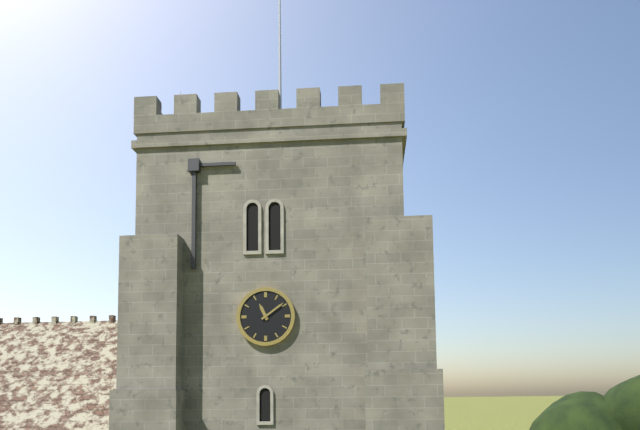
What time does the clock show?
11:09
